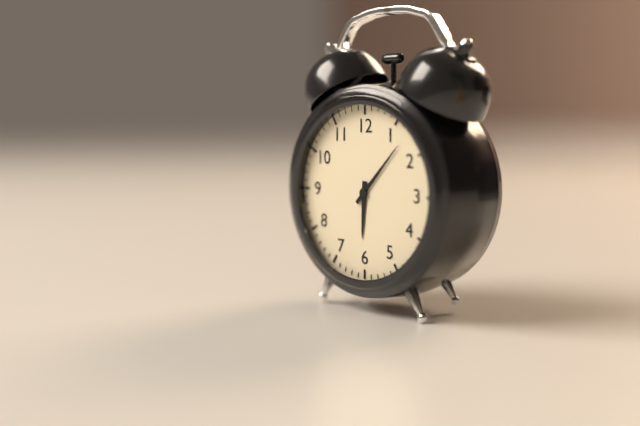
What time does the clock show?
6:07
